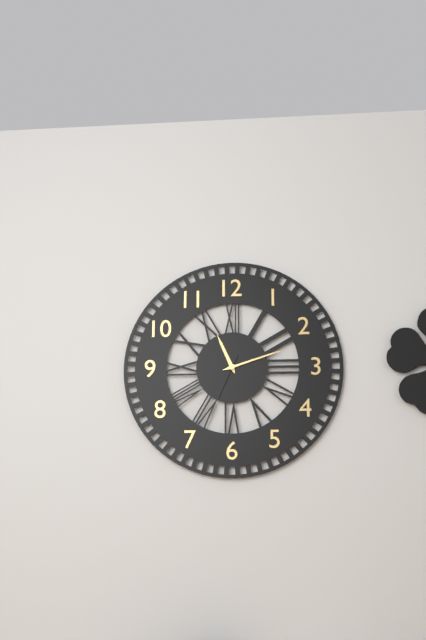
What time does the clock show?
11:12:34
